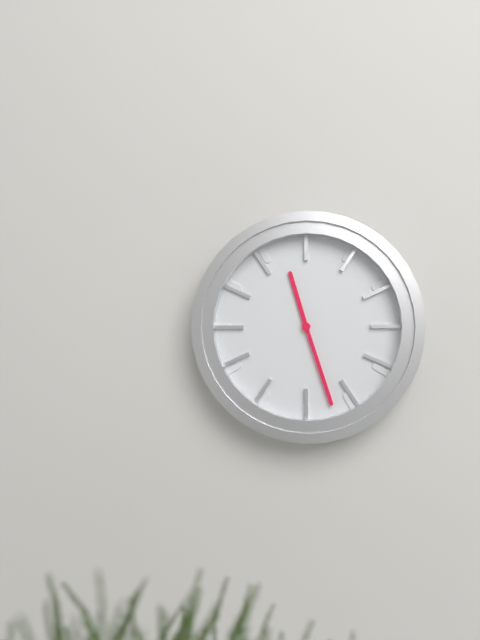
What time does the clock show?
11:27
